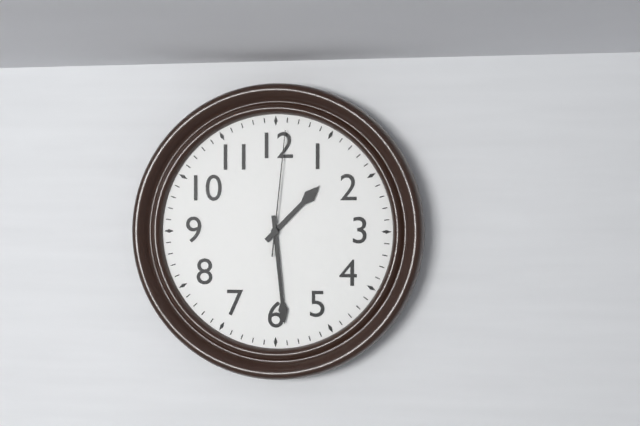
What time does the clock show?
1:29:01
